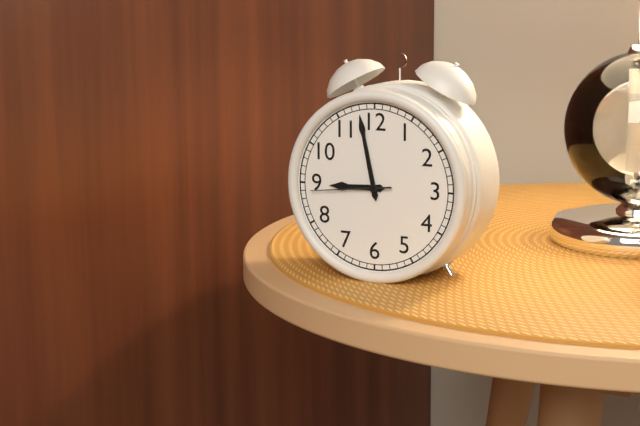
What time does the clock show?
8:58:44
